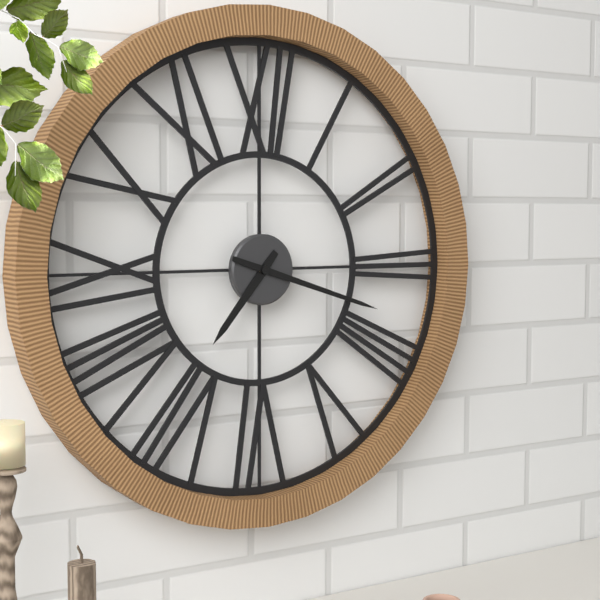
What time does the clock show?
7:18
